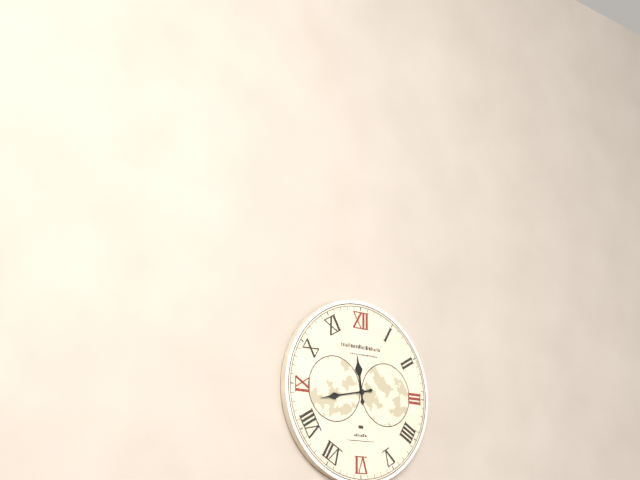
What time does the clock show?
11:43
